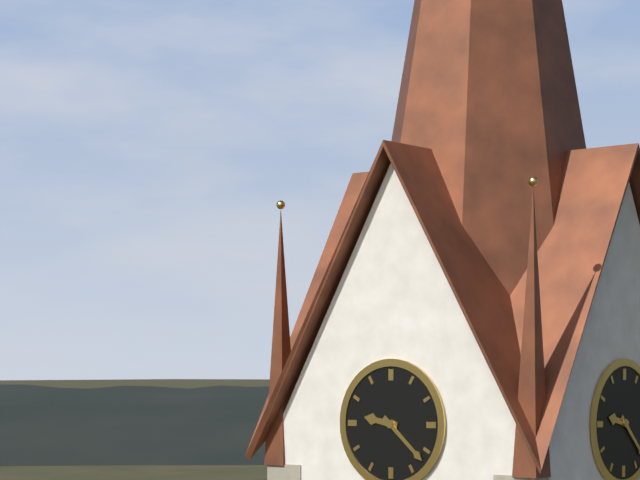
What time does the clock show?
9:22
